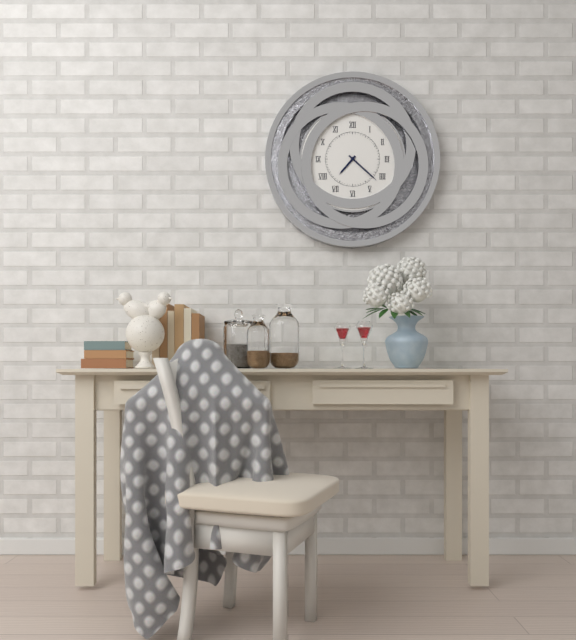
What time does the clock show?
7:22
